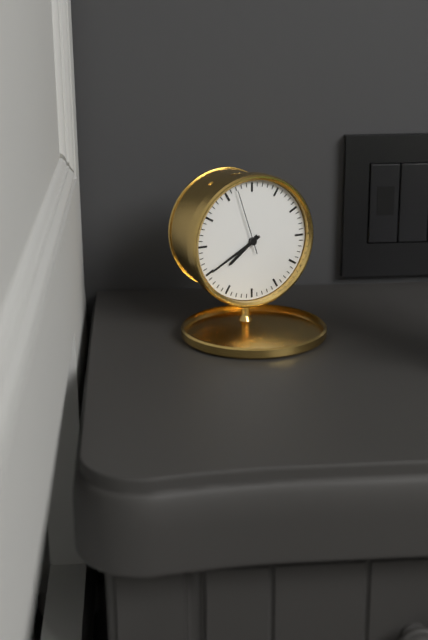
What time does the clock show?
7:40:57
